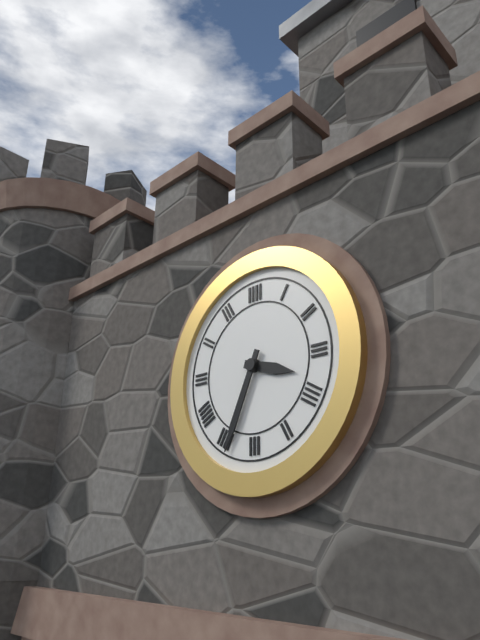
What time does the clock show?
3:34
